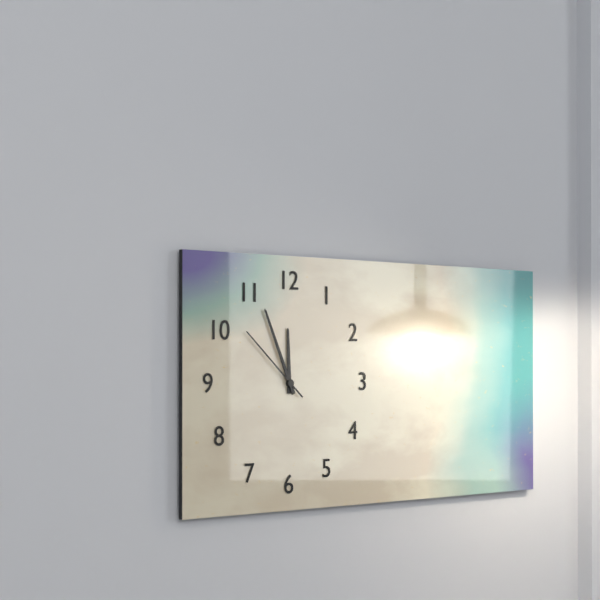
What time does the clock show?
11:56:52
